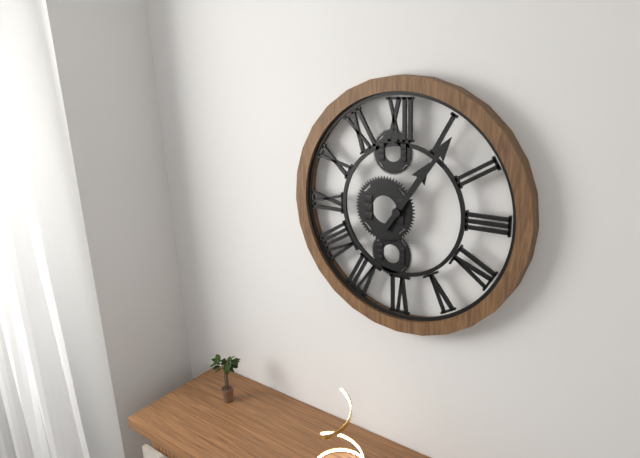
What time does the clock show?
1:06
